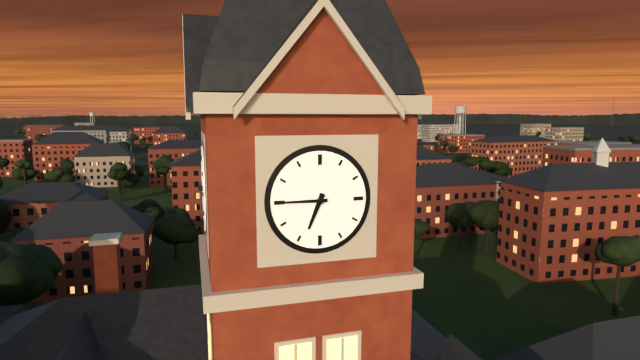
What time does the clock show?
6:45
